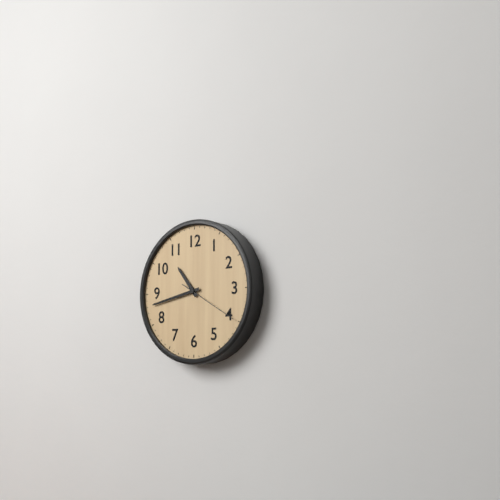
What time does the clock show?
10:43:20
